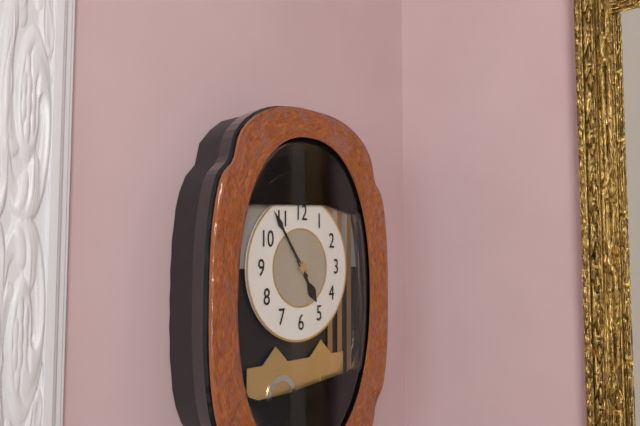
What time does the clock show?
4:54
